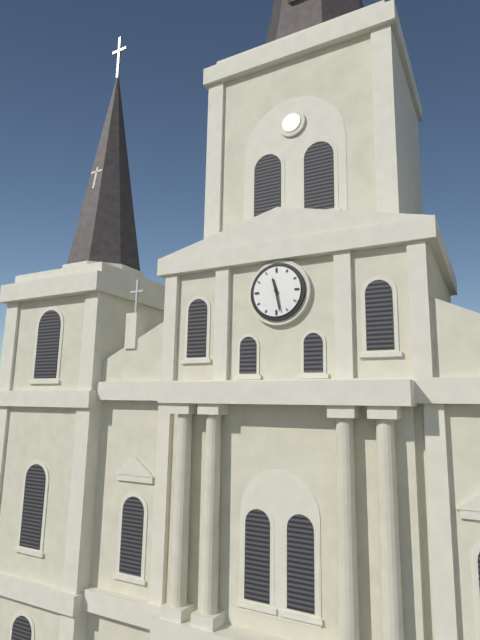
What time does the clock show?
11:28
